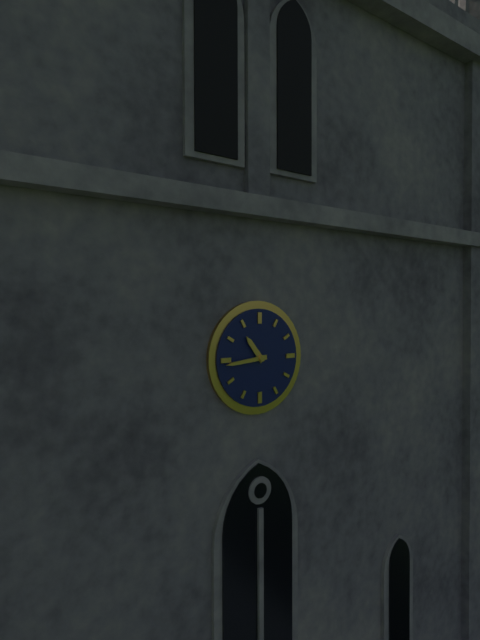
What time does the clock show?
10:44
